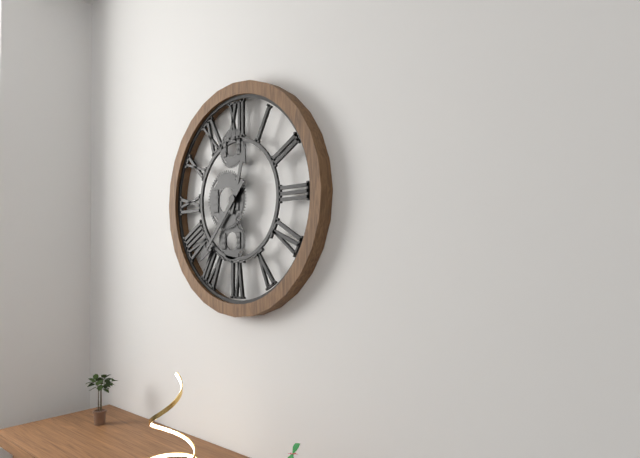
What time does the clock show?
12:37
